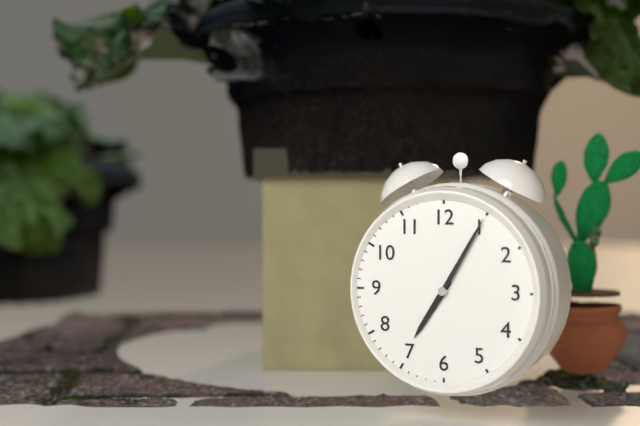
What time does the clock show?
7:05
